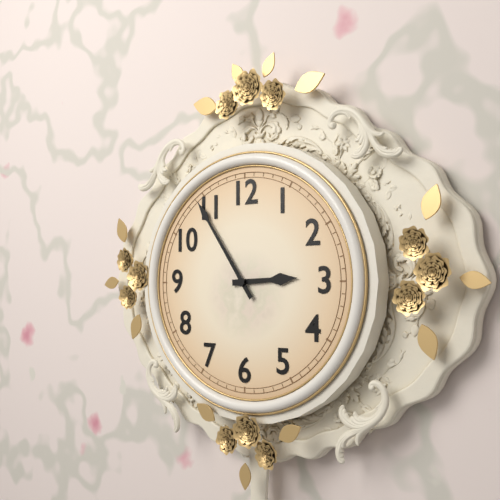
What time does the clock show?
2:54
